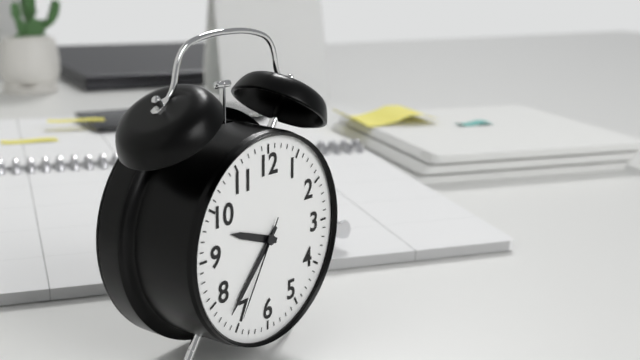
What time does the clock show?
9:37:35
